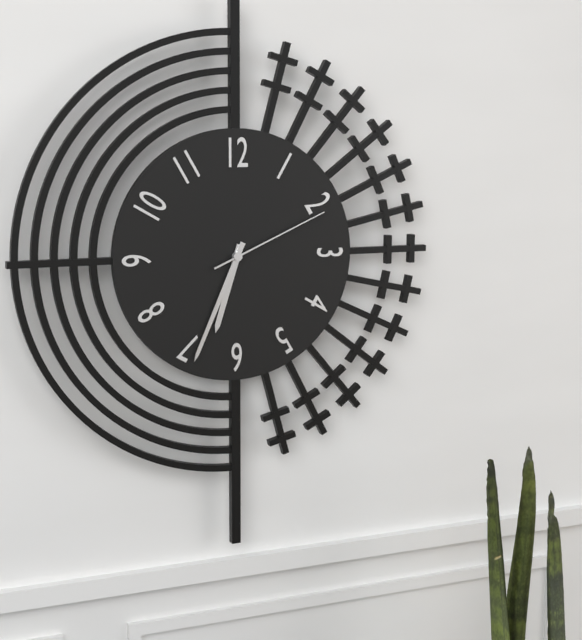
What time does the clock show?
6:34:11
